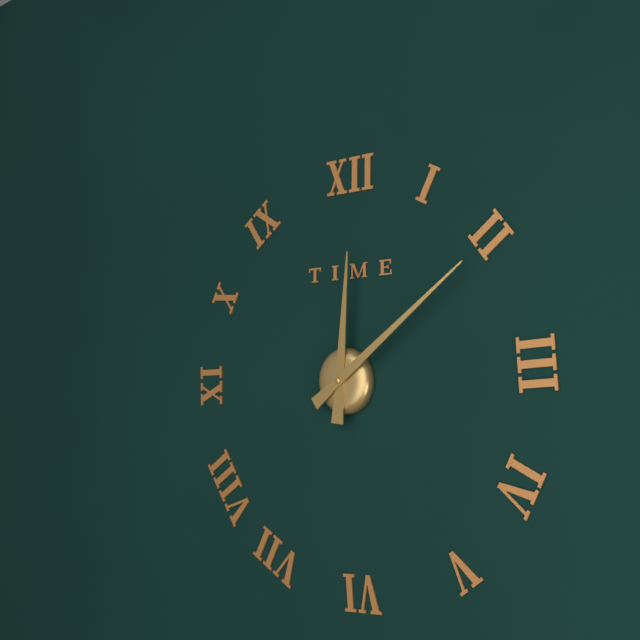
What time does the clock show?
12:09
